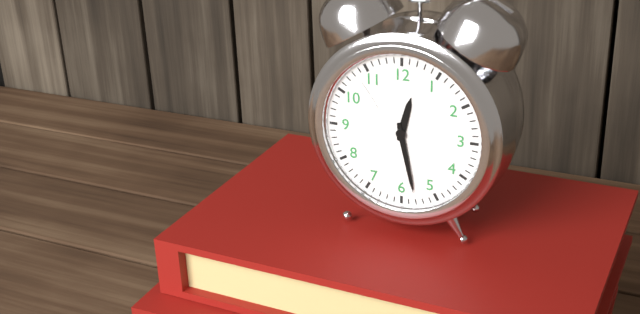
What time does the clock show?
12:28
